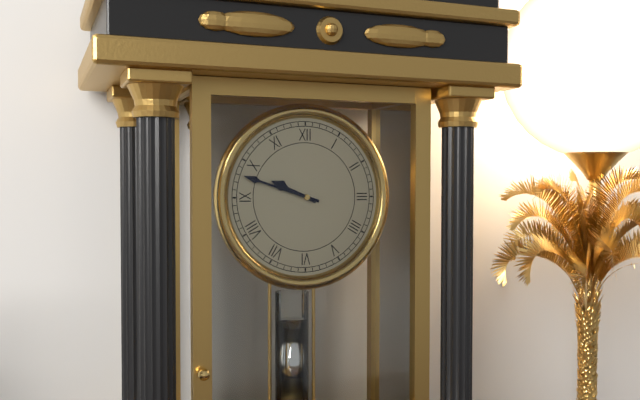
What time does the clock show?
9:48
